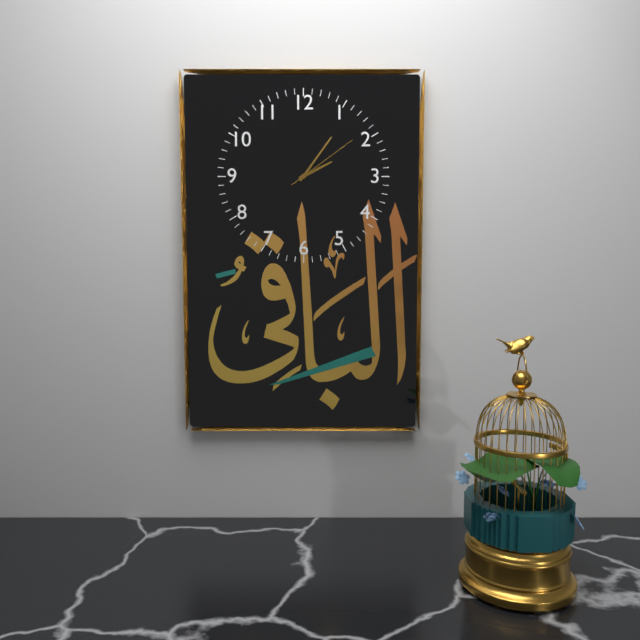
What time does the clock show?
2:06:09
